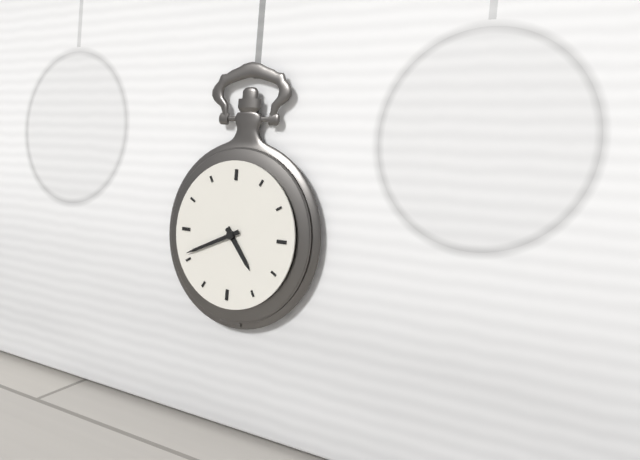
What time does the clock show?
4:41
